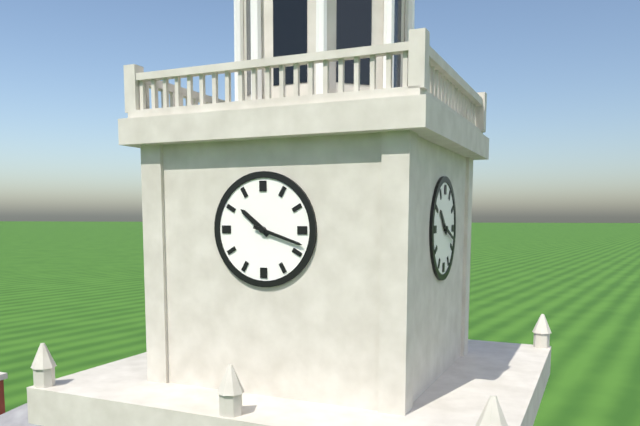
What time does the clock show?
10:18
